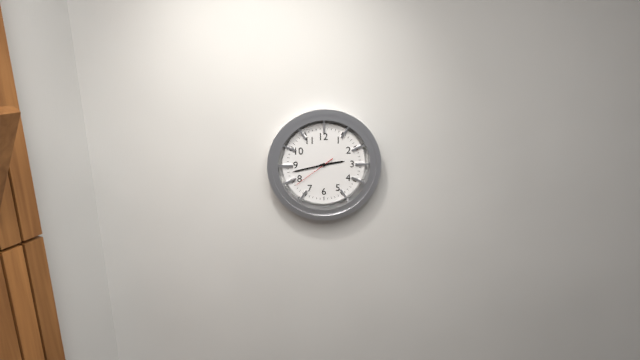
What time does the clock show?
2:43
